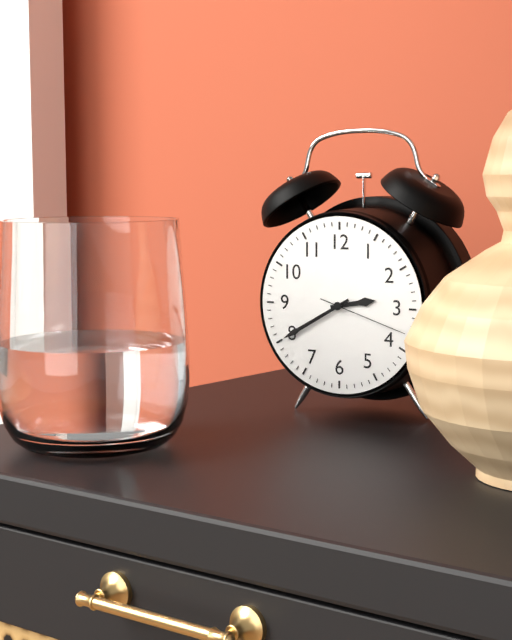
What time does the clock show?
2:40:18
